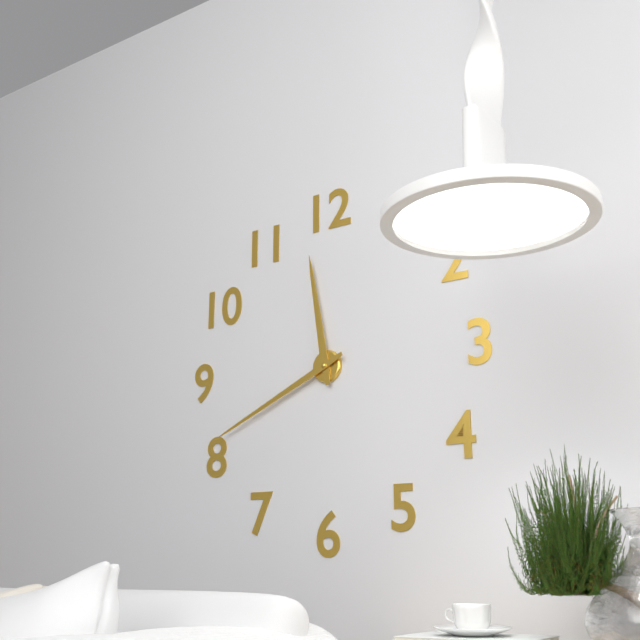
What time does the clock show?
11:41
